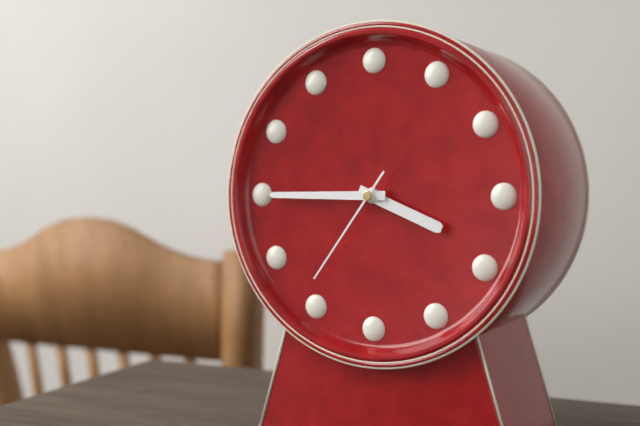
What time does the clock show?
3:45:36
